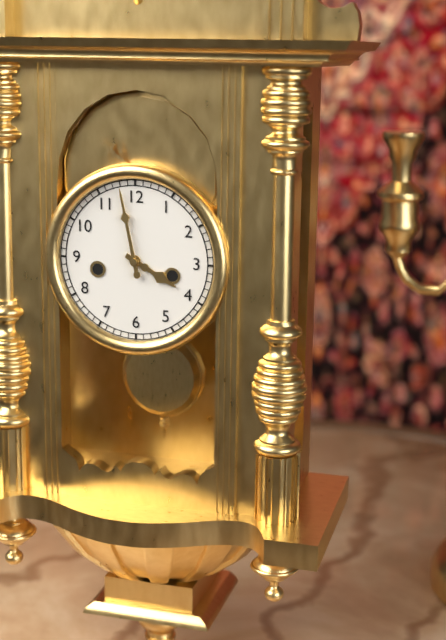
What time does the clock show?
3:58
